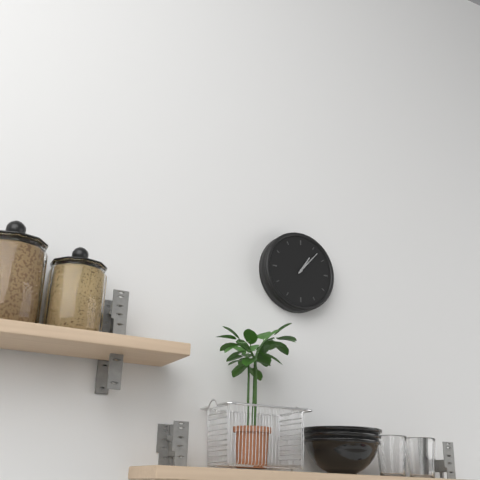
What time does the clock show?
1:07
